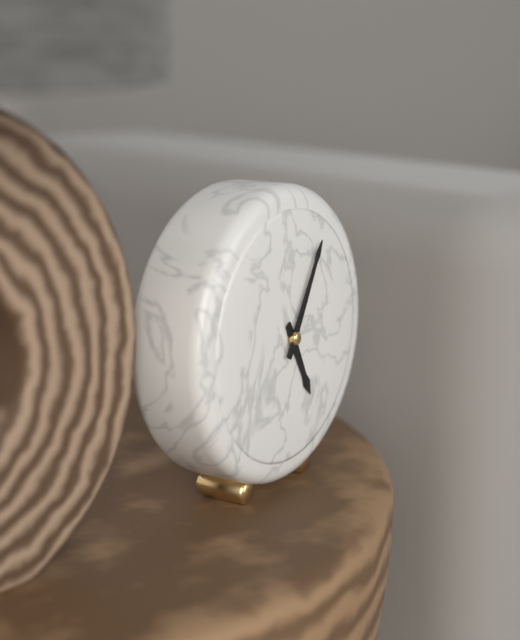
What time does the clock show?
5:05
